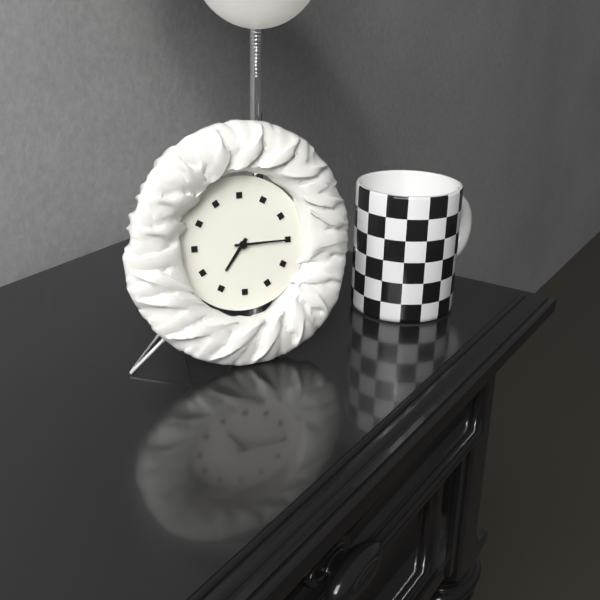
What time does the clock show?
7:15
